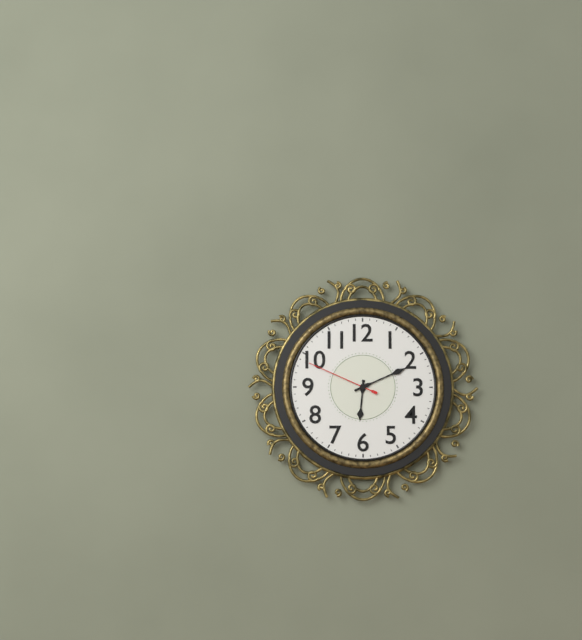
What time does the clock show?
6:11:49
